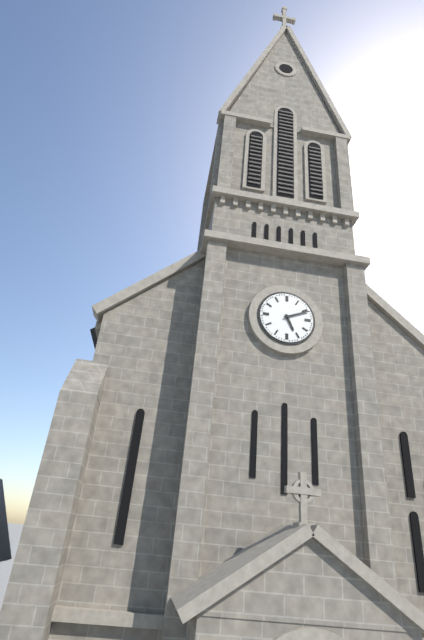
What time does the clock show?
5:11
